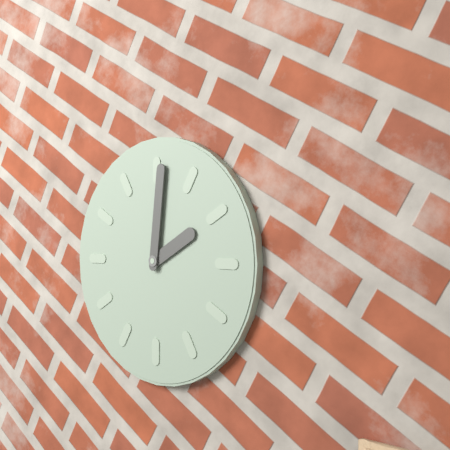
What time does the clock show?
2:01
